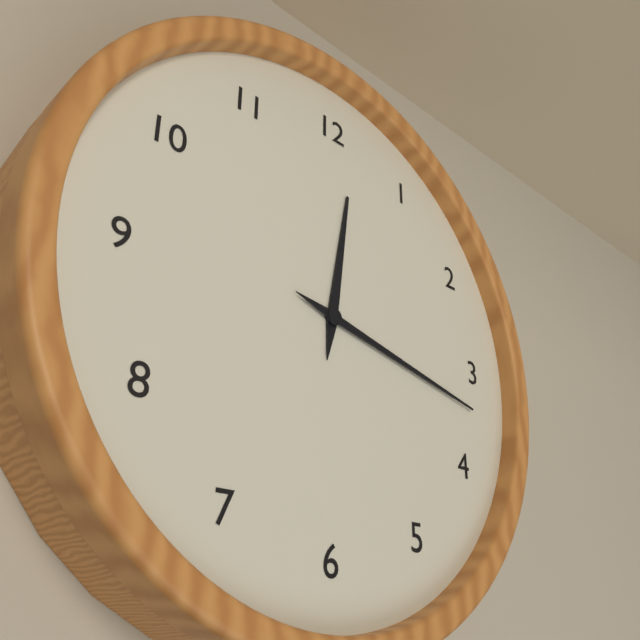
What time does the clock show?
12:17
